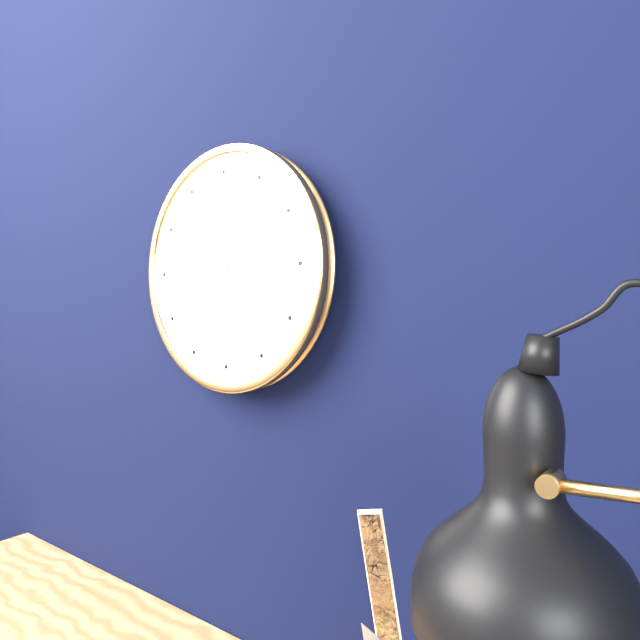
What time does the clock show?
2:05
